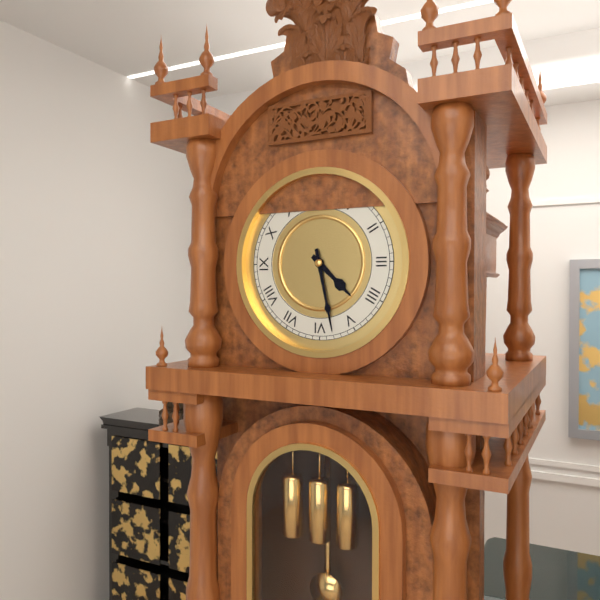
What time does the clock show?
4:28
